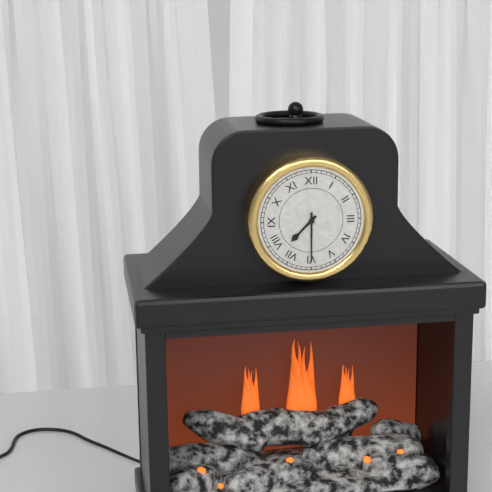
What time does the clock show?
7:30
